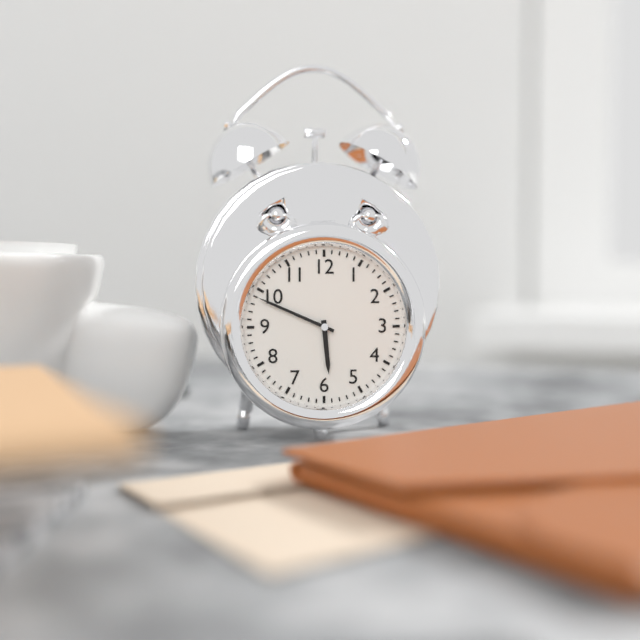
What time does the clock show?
5:49
